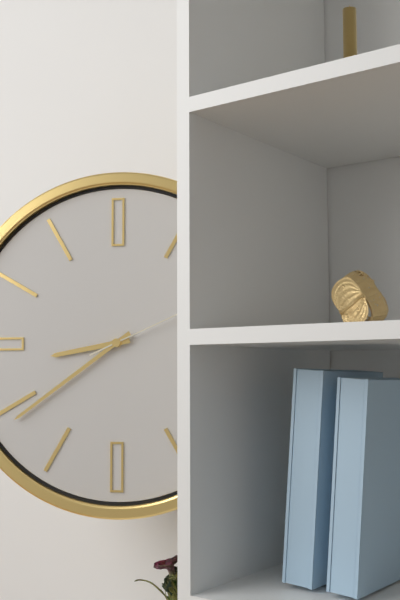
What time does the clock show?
8:39
